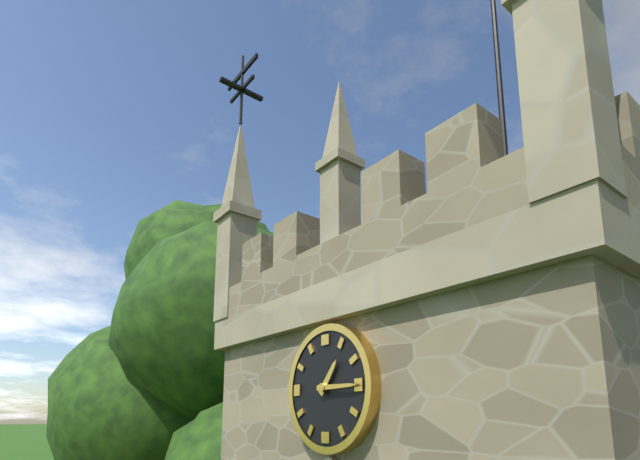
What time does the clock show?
1:15
